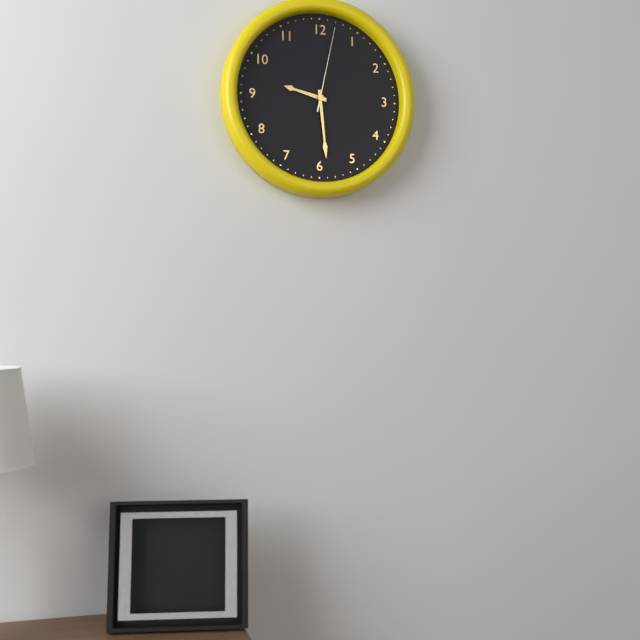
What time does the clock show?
9:29:02
